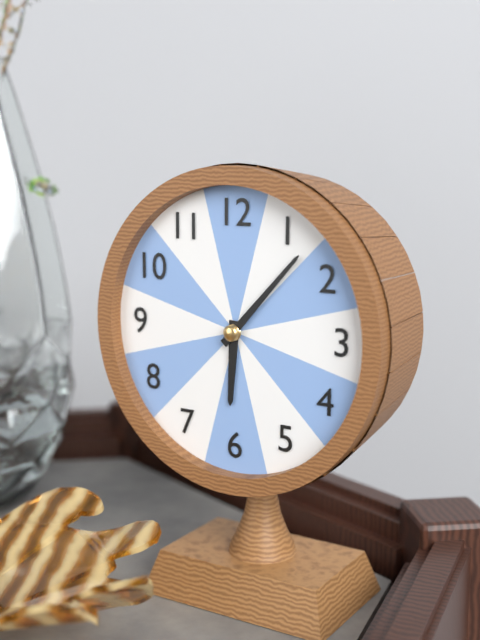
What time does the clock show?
6:07
